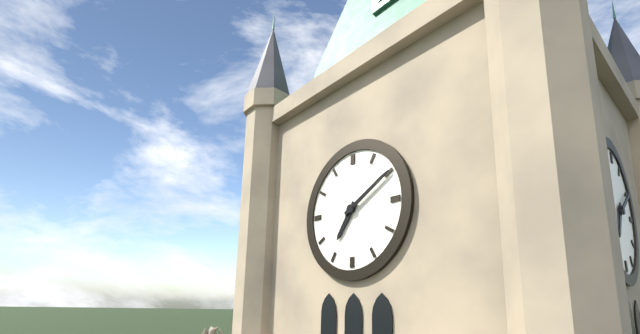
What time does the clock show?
7:10
